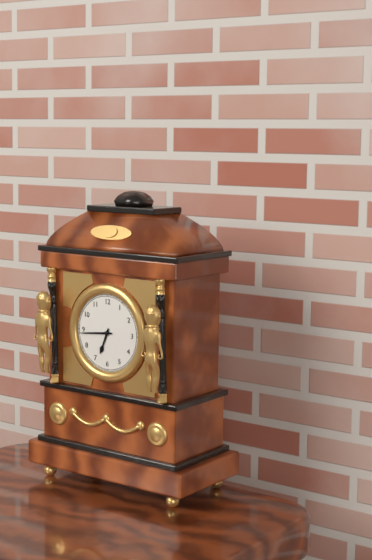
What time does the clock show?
6:44
